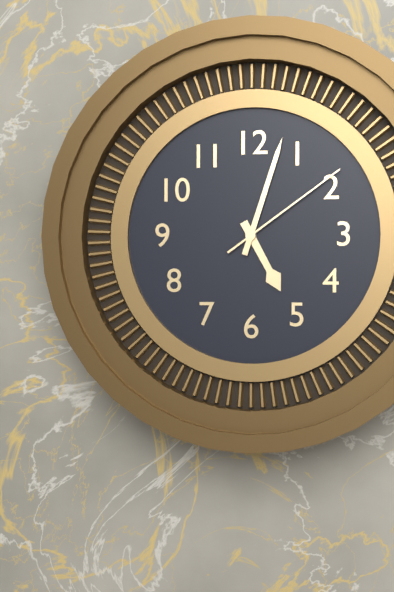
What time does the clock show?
5:03:09
